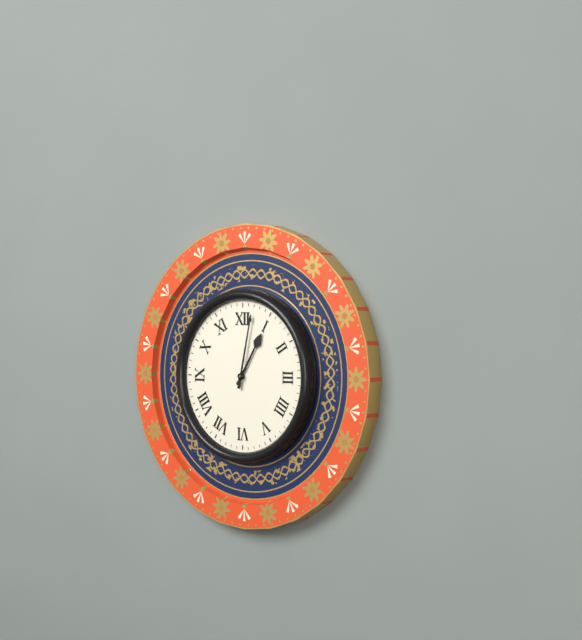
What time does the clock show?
1:02
